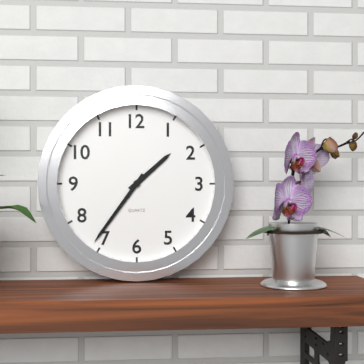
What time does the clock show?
1:36
